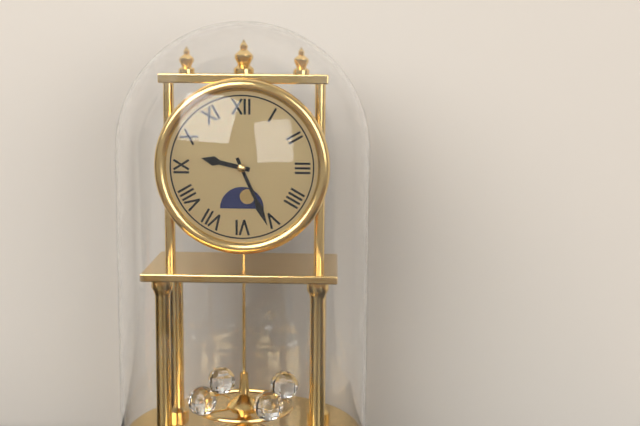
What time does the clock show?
9:26
